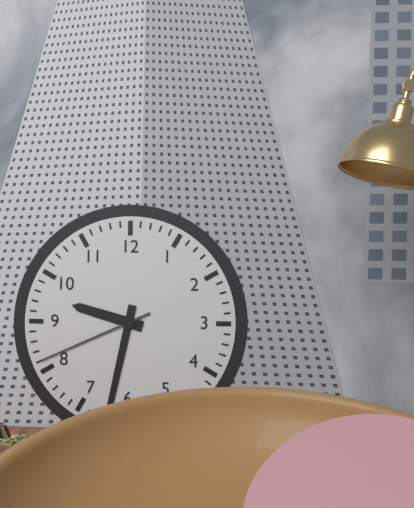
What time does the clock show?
9:32:41
